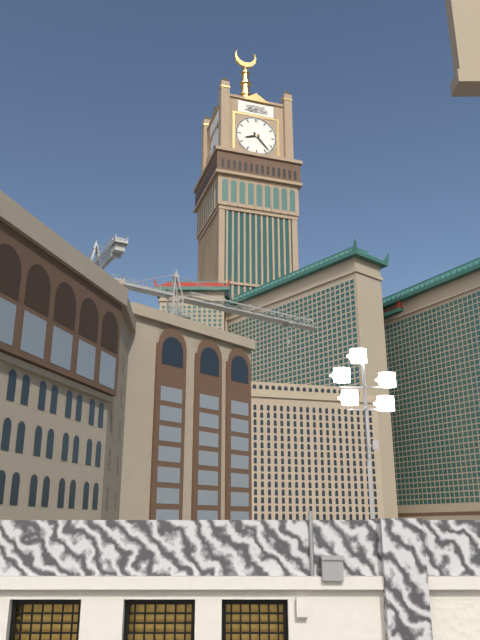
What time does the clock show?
8:23
